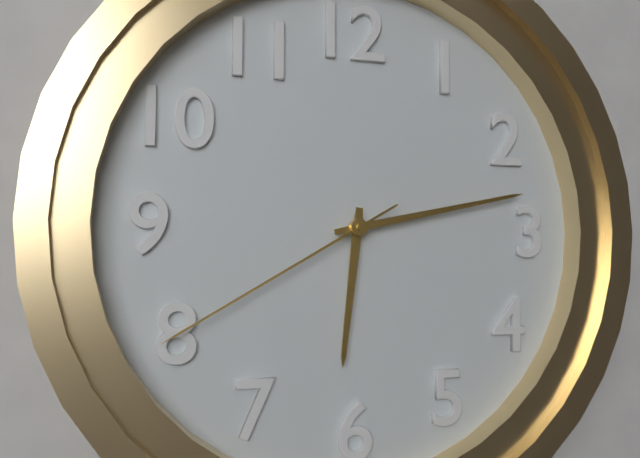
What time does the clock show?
6:13:40
